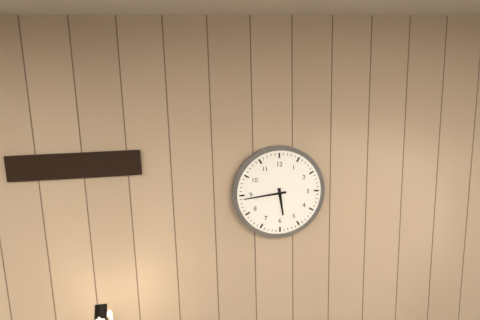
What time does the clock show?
5:44
